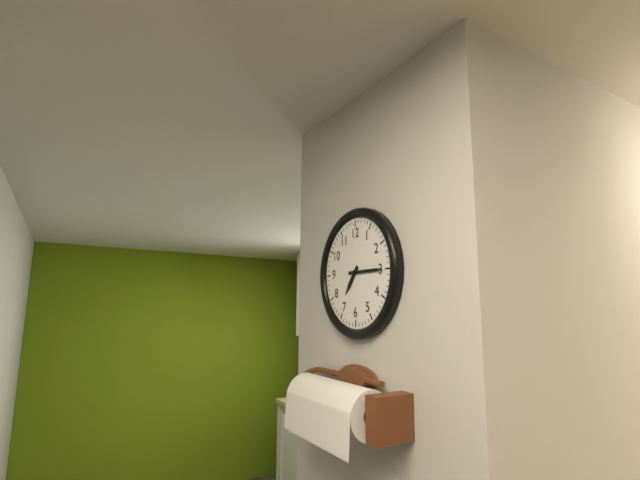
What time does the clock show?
7:15
